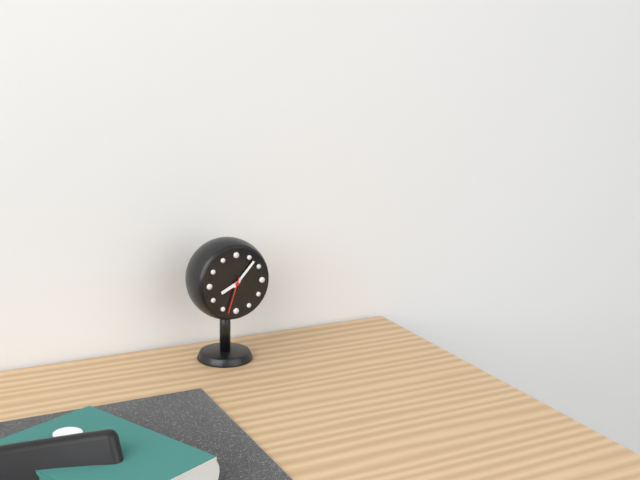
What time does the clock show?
8:07
